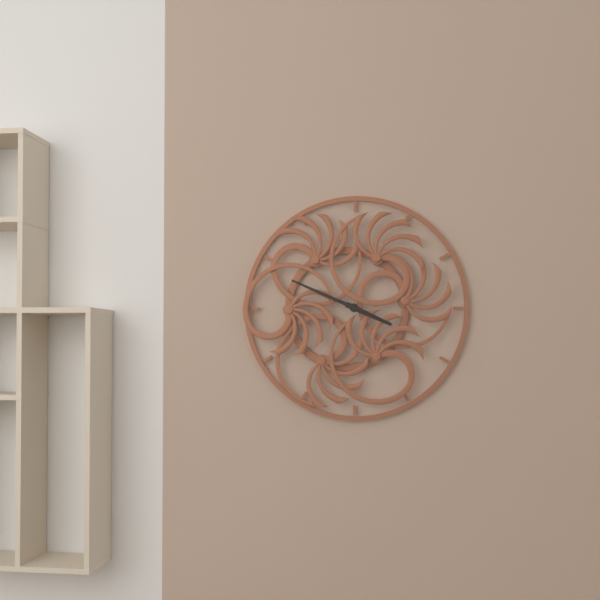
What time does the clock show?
3:49
